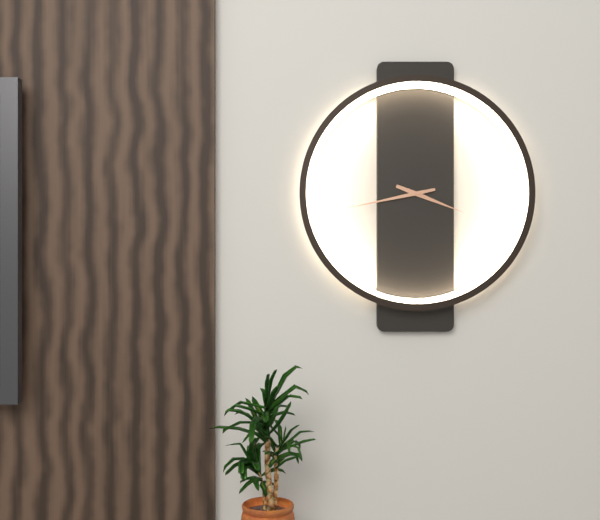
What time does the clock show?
3:43
